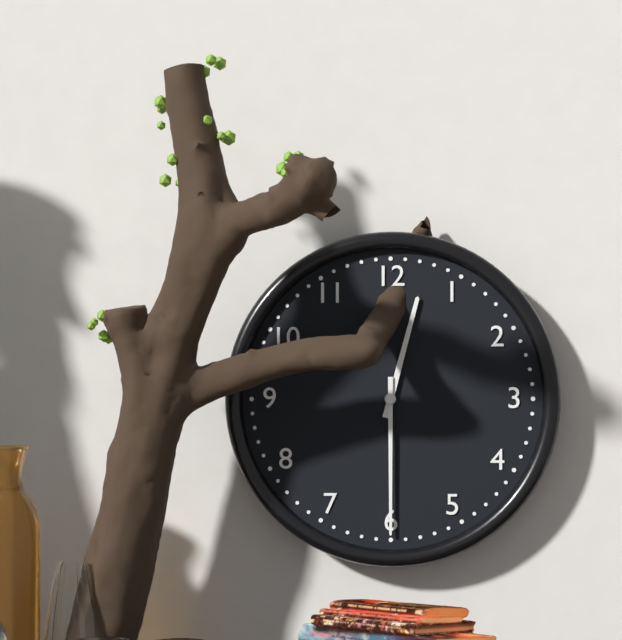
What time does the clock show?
12:30
